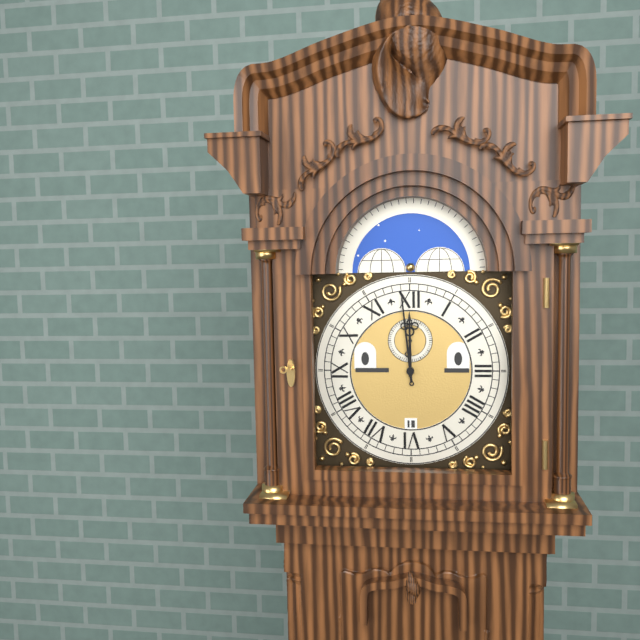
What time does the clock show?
11:59
